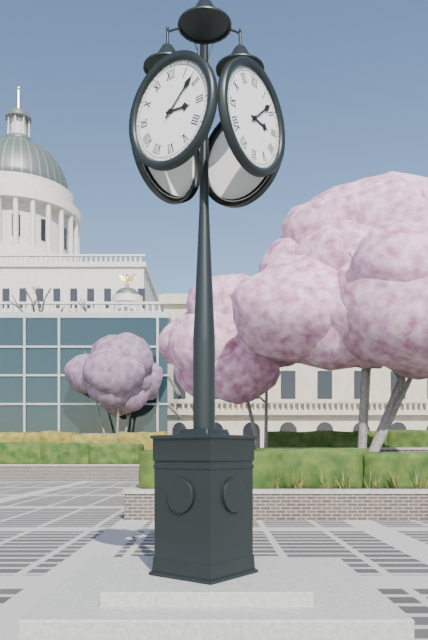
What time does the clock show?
3:08
